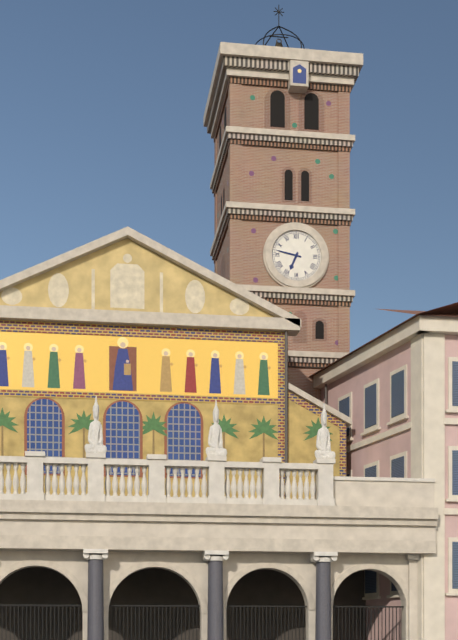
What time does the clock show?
6:47
